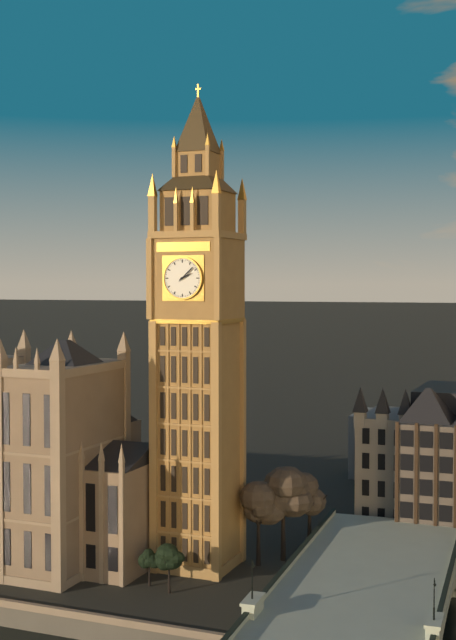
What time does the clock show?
2:08
